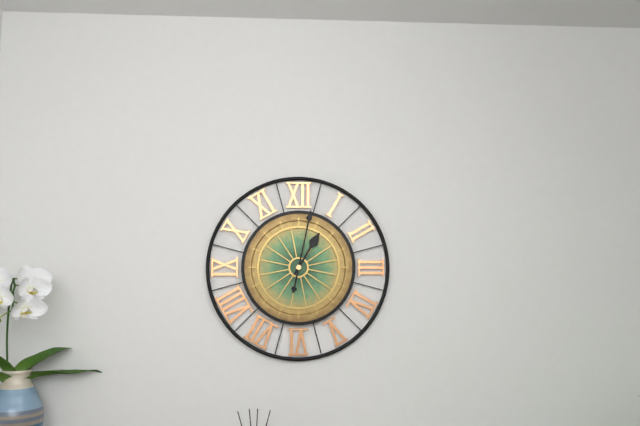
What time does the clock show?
1:02
